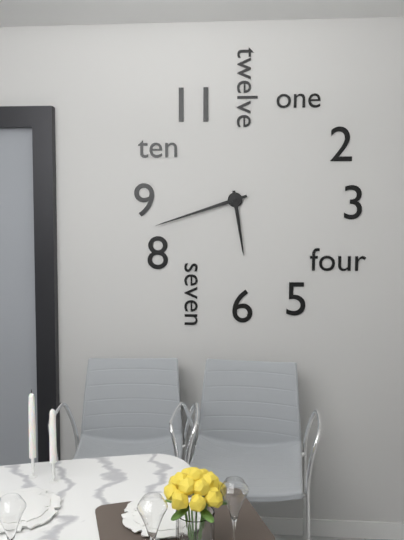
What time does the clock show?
5:42
